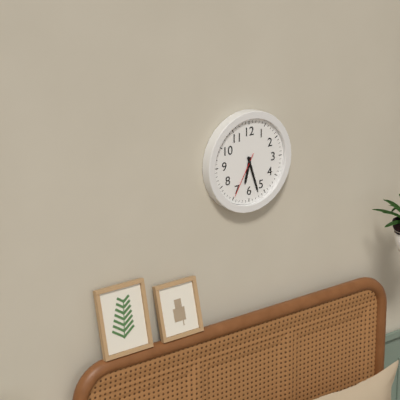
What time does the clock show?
6:27
